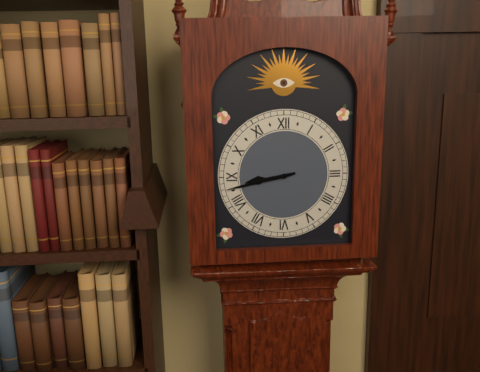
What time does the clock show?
8:43
